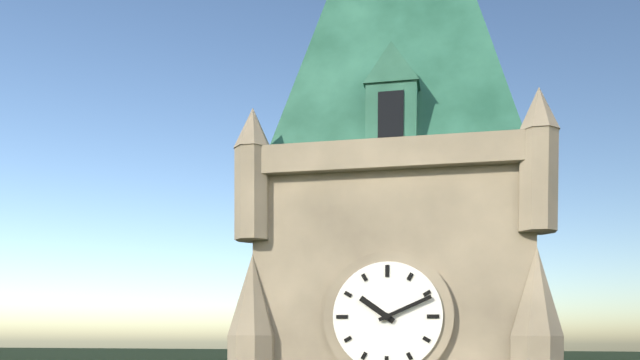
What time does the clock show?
10:11
